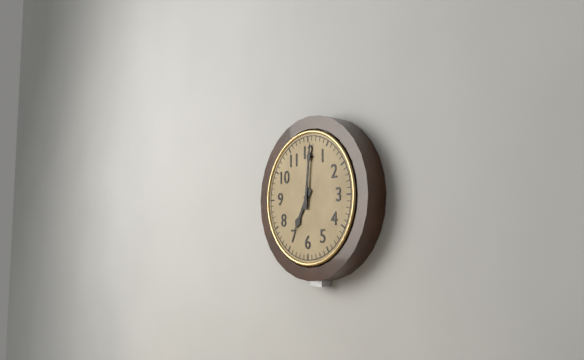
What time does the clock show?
7:01
